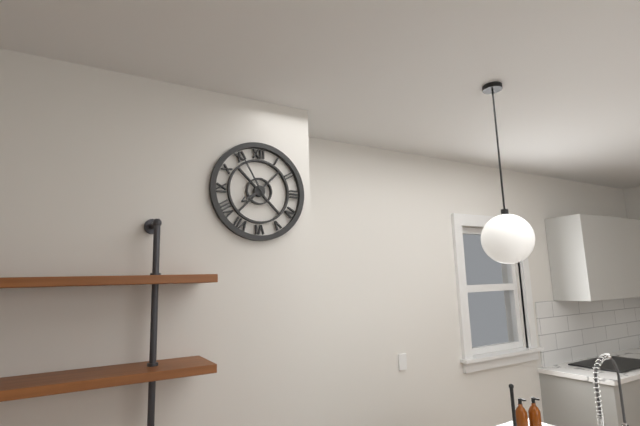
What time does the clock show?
7:55
